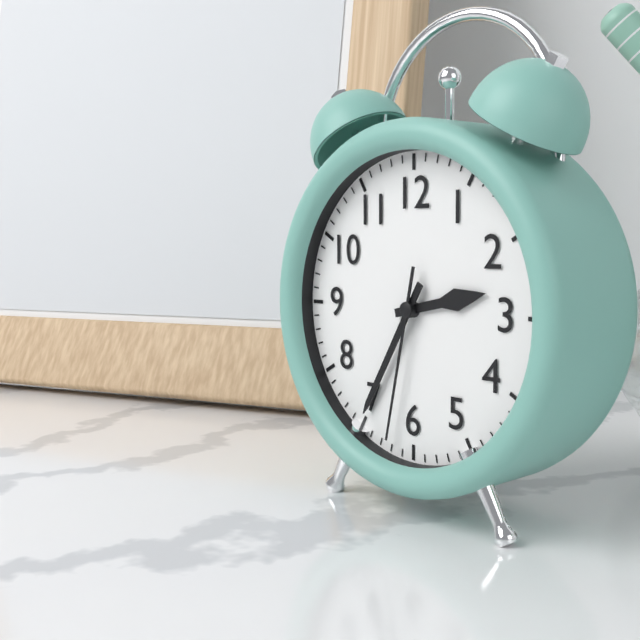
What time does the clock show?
2:35:32
